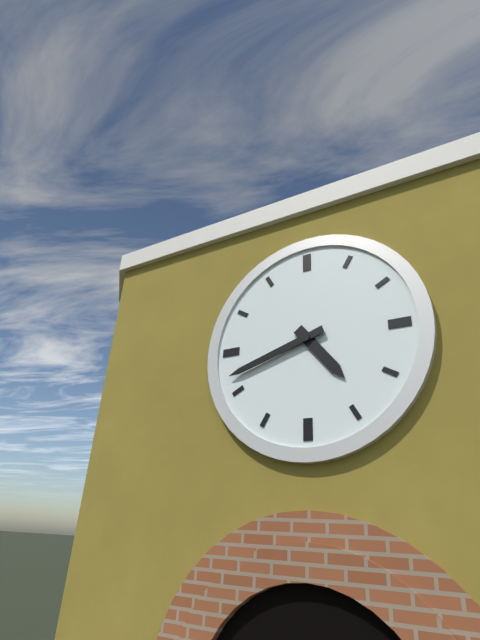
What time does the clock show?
4:42
